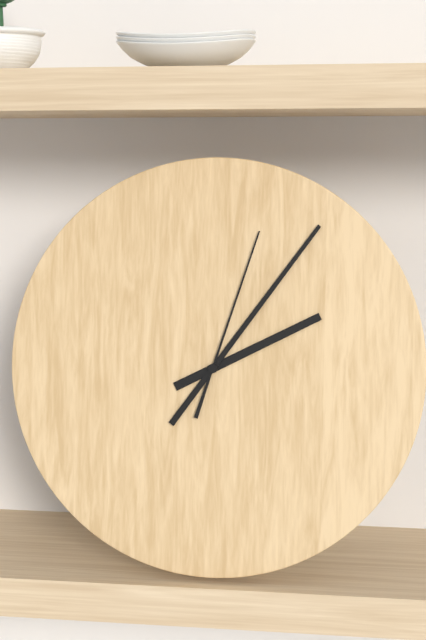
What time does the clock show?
2:06:03
